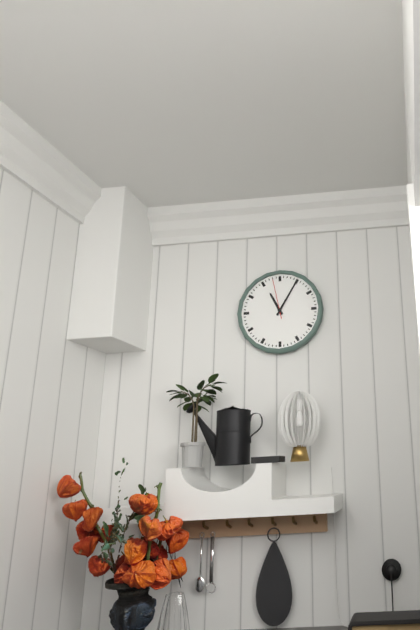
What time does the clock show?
11:05
